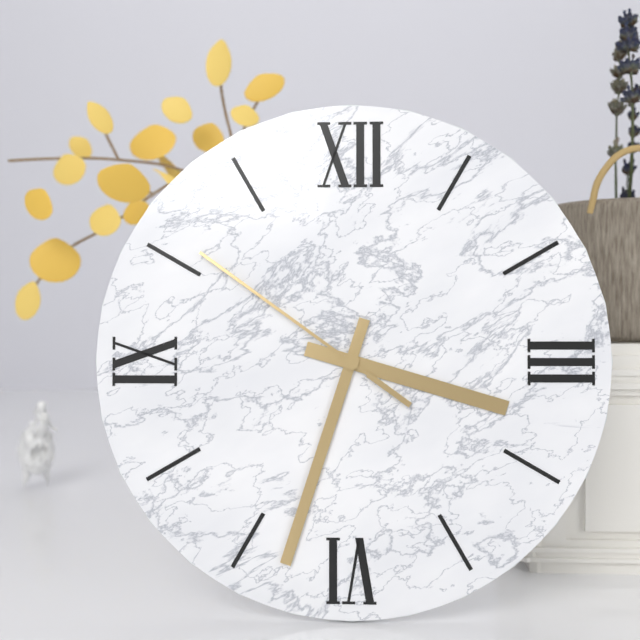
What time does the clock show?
3:33:51
